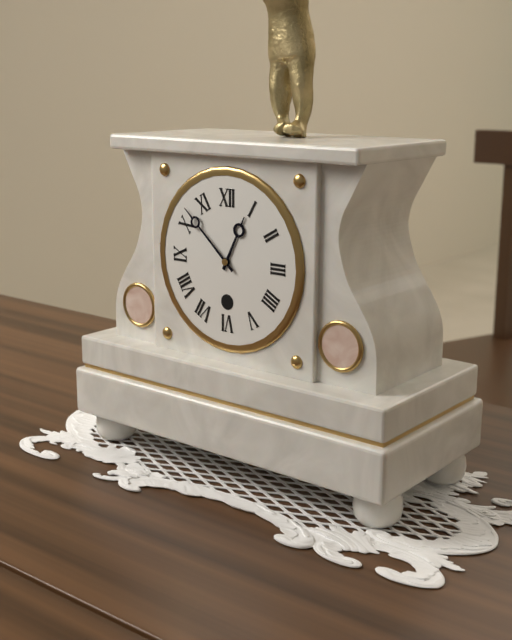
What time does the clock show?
12:52
